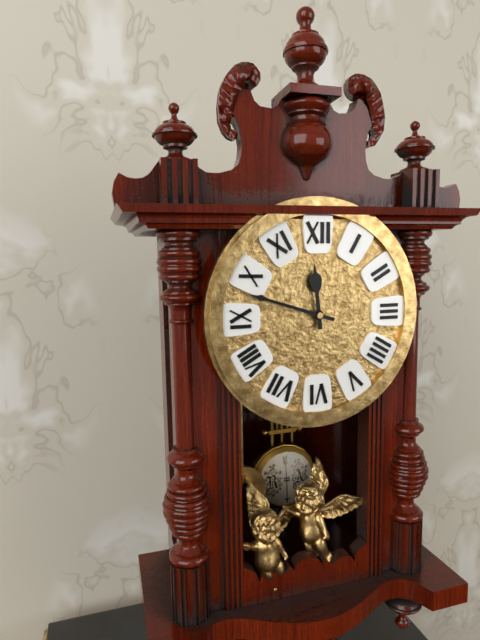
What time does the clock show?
11:48
